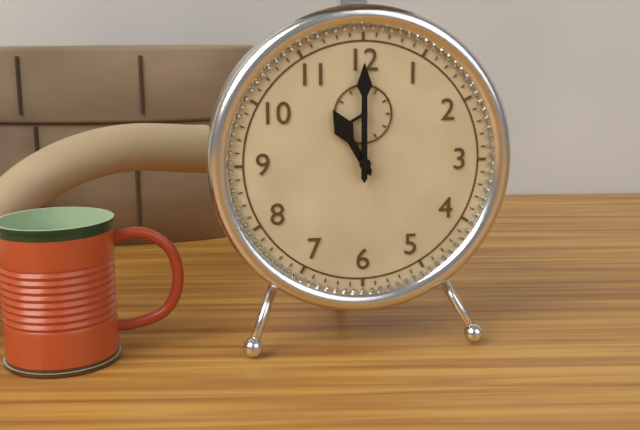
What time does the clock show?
11:00
